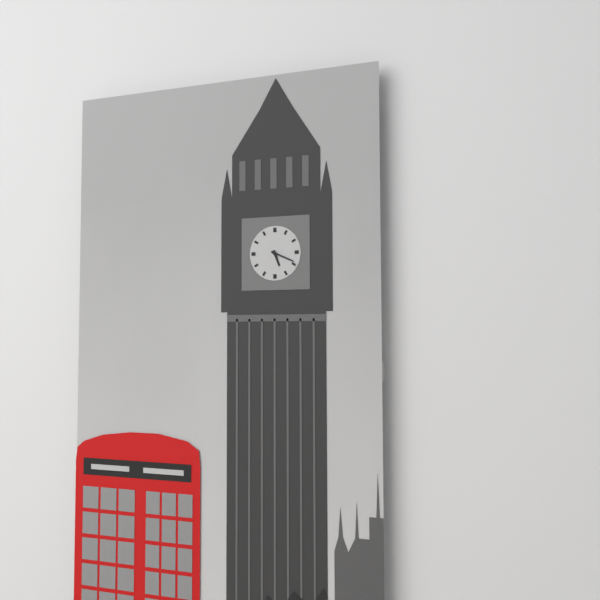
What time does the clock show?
5:19
